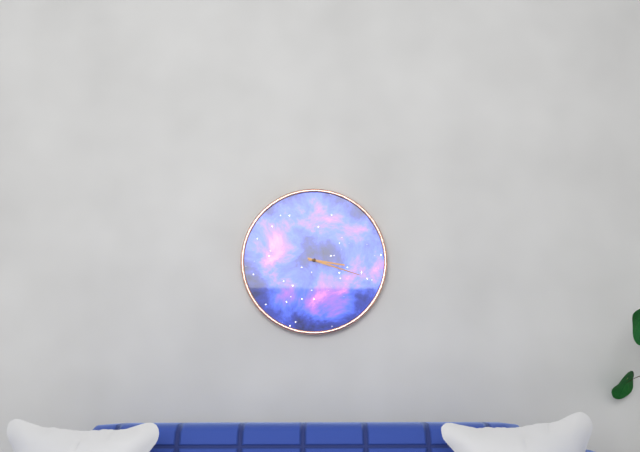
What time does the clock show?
3:18
